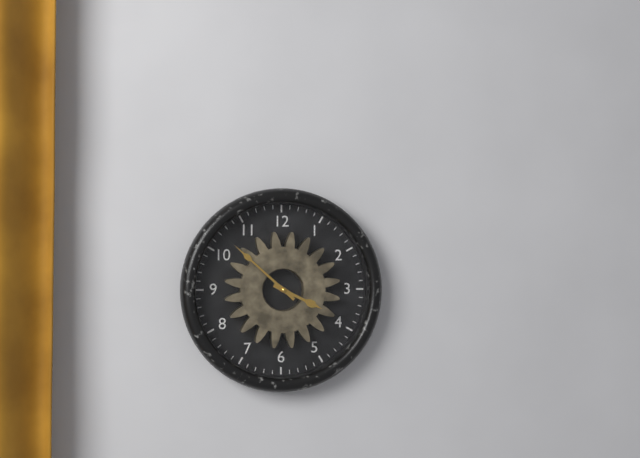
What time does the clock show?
3:52
